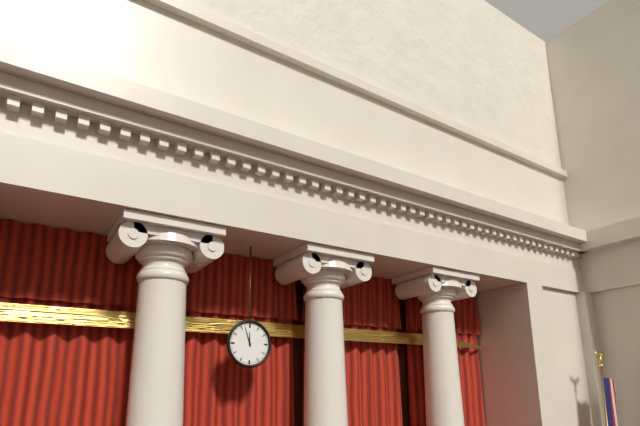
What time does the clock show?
11:57
